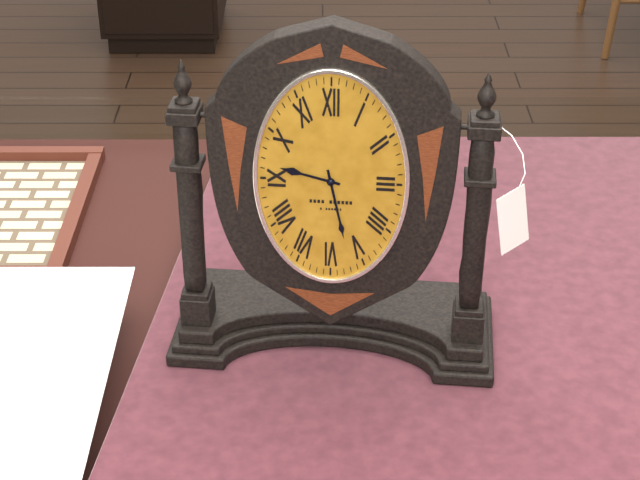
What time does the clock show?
9:28
